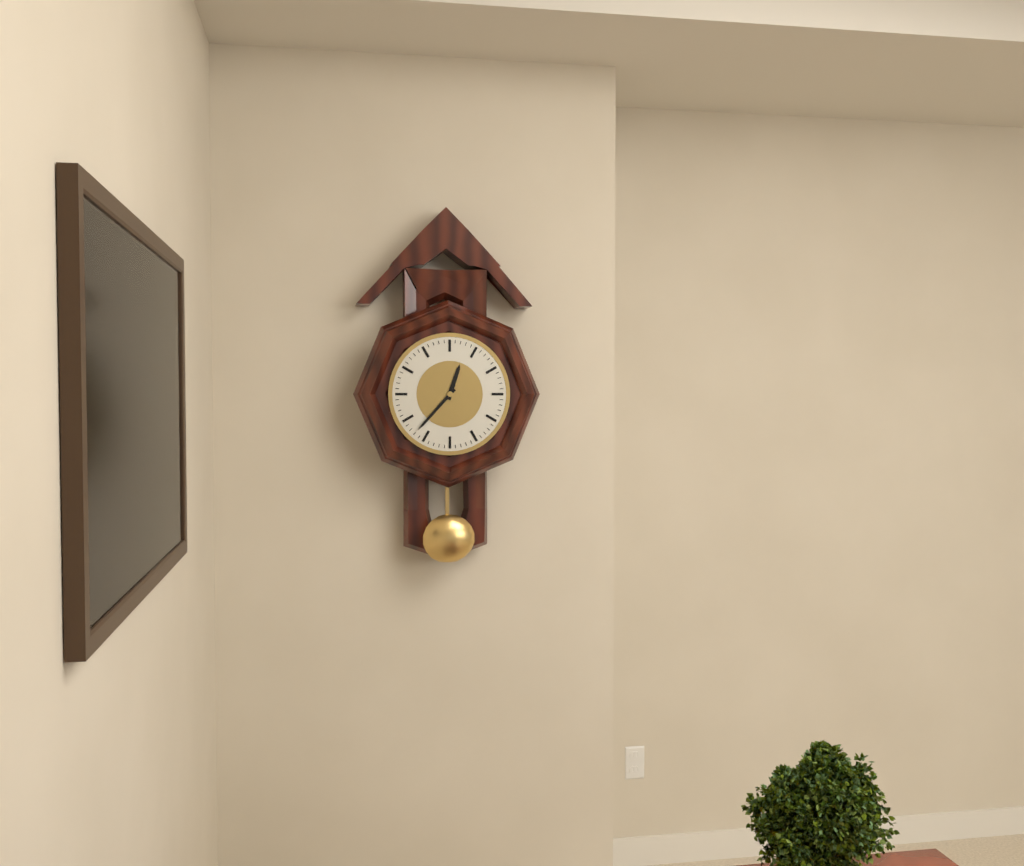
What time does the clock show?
12:37
